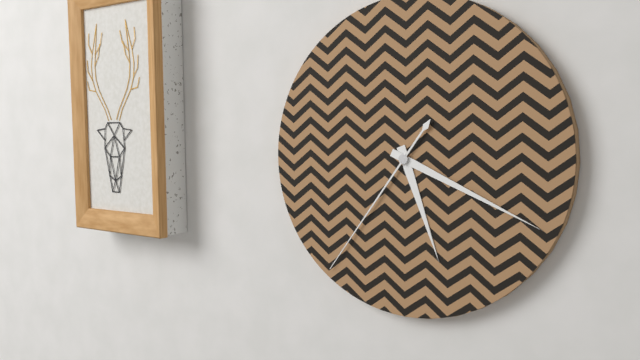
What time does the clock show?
5:19:36
